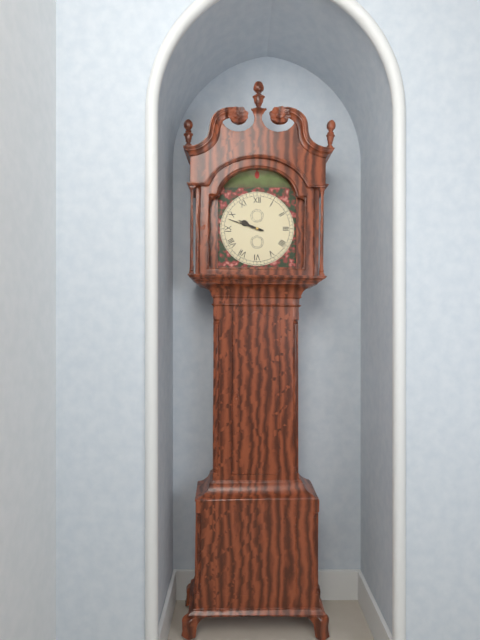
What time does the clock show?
9:48
